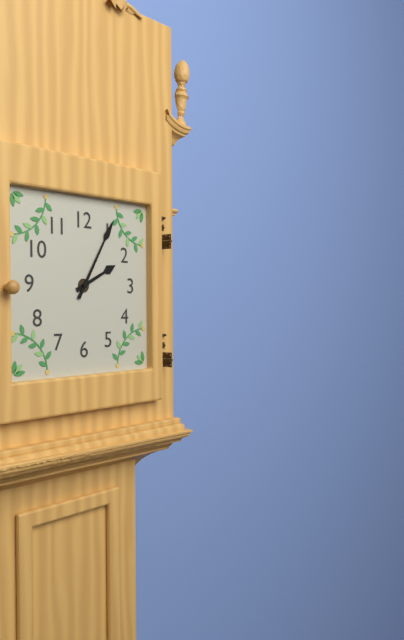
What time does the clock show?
2:05
